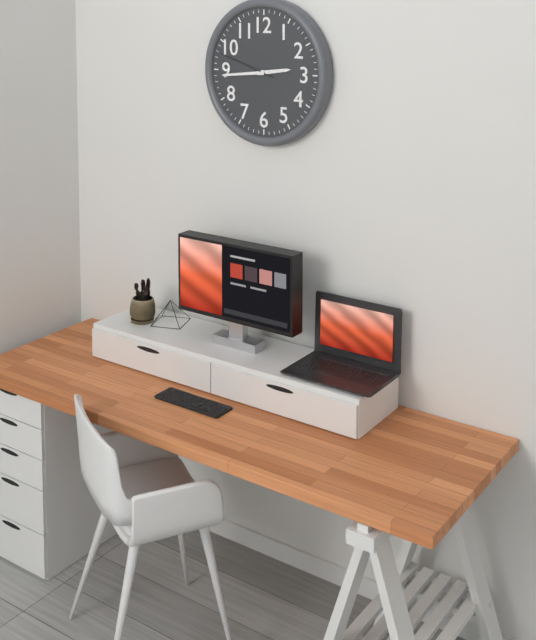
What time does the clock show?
2:44:48
